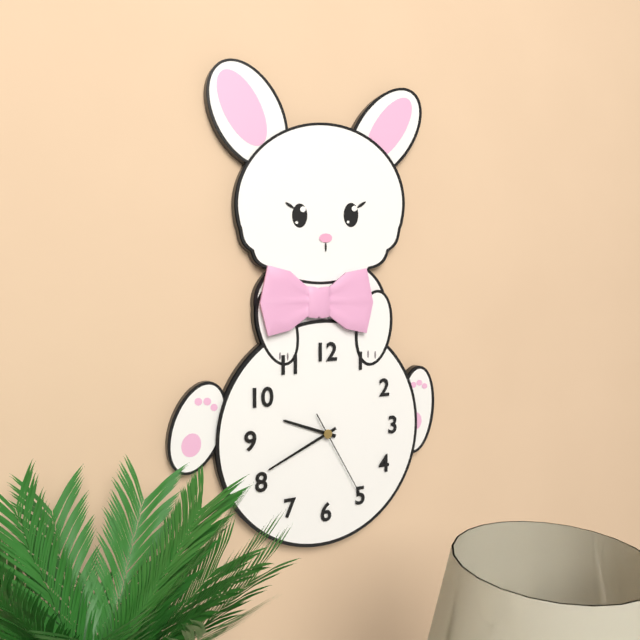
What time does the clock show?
9:41:25
